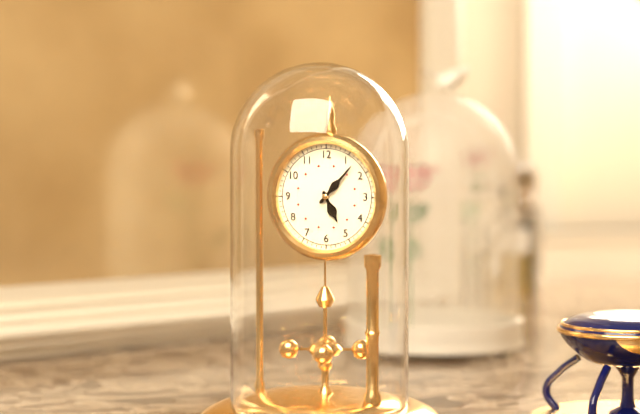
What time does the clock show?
5:07
